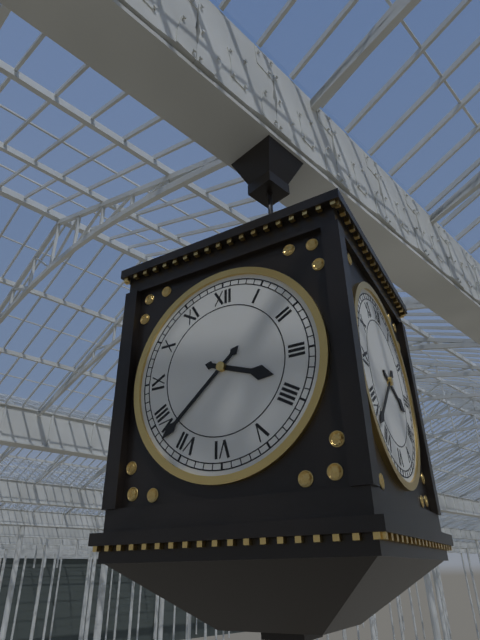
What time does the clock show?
3:38
